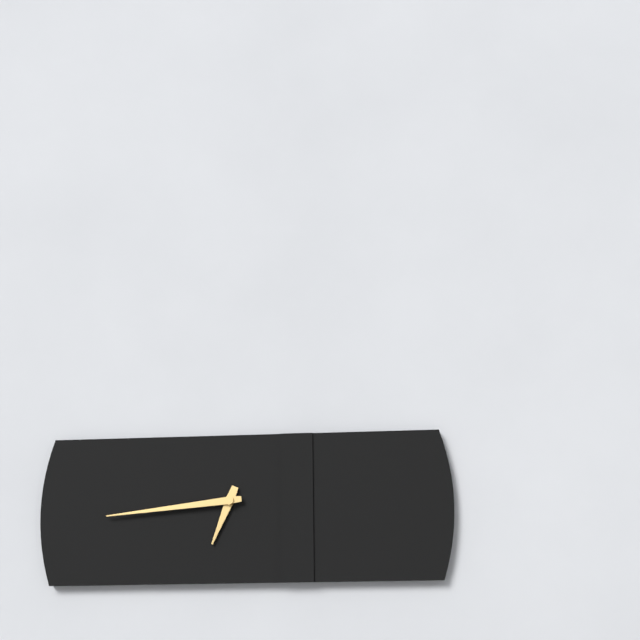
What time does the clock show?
6:44
